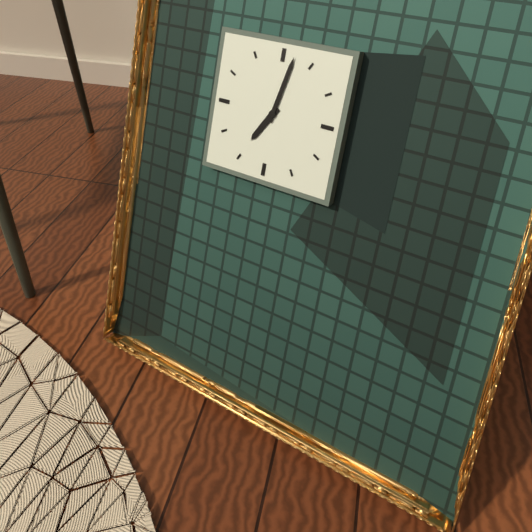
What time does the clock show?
7:02
